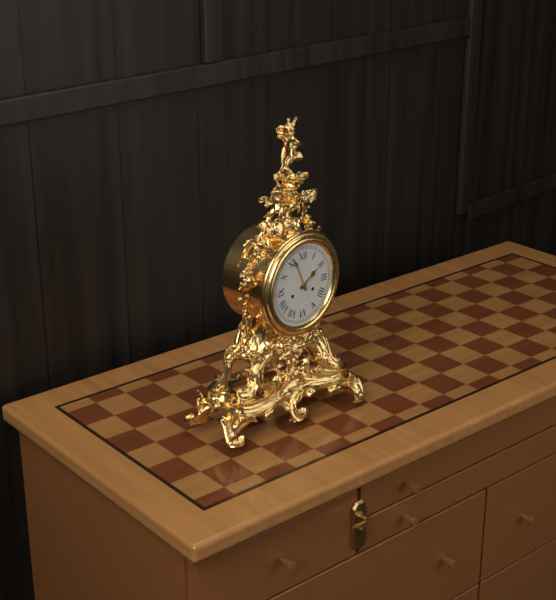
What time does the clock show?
1:56
